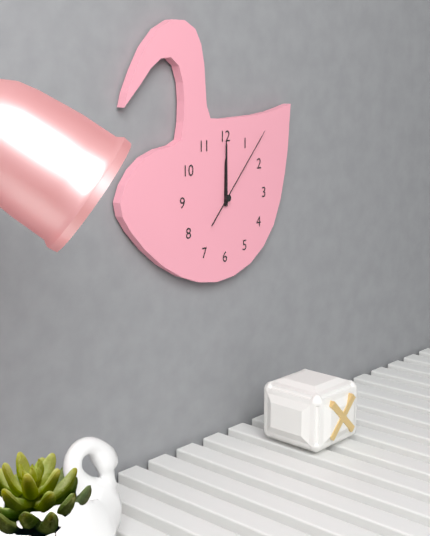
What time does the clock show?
12:00:07
